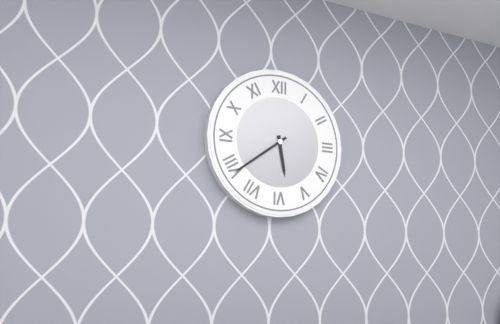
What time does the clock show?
5:39
